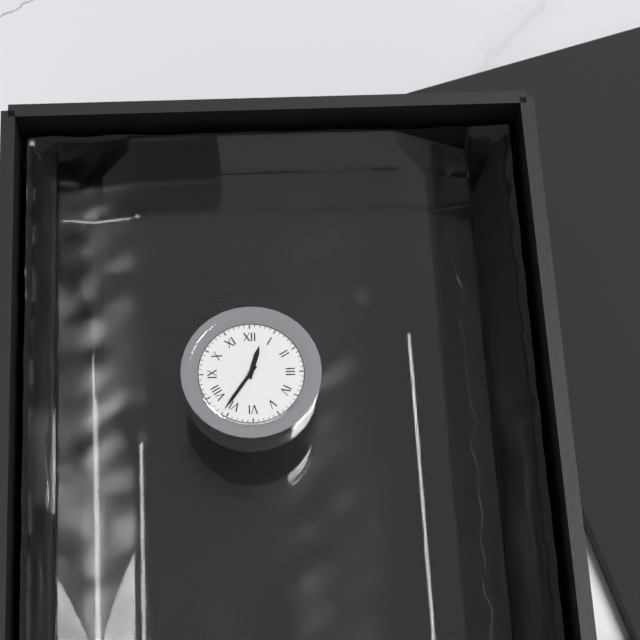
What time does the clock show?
12:36
